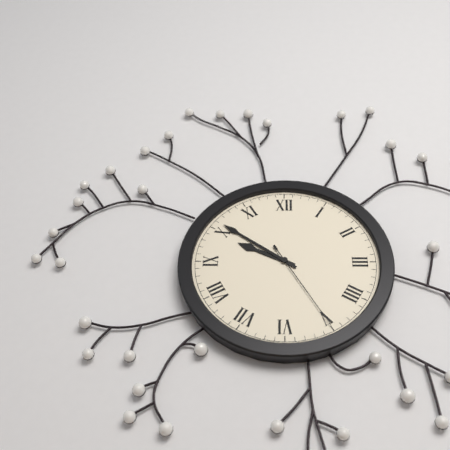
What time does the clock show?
9:51:25
